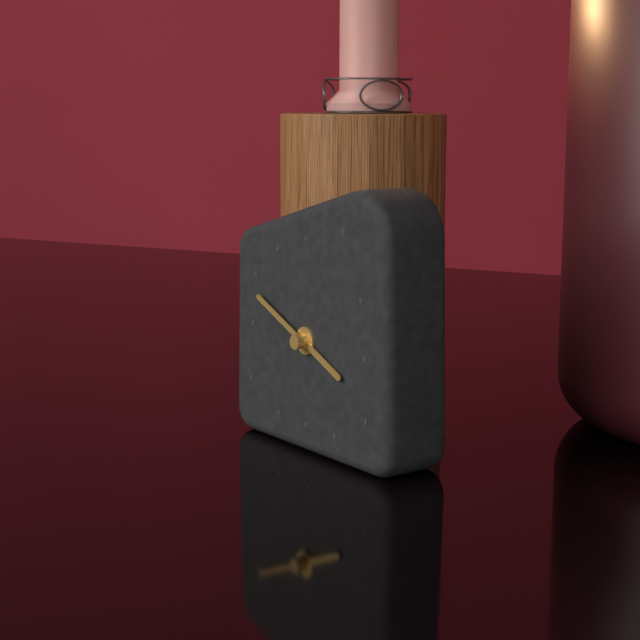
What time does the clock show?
3:49
